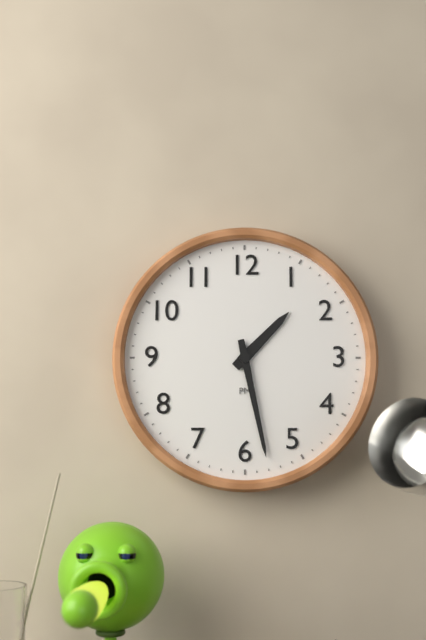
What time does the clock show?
1:28
